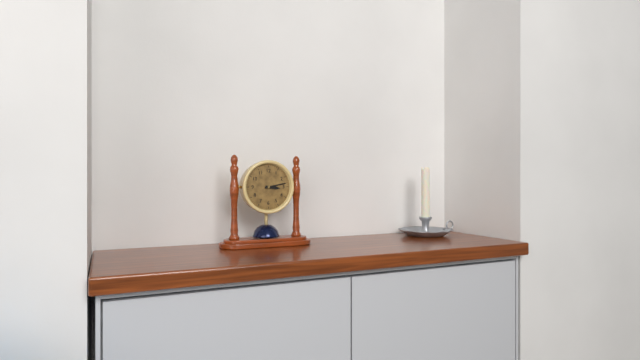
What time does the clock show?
3:13
